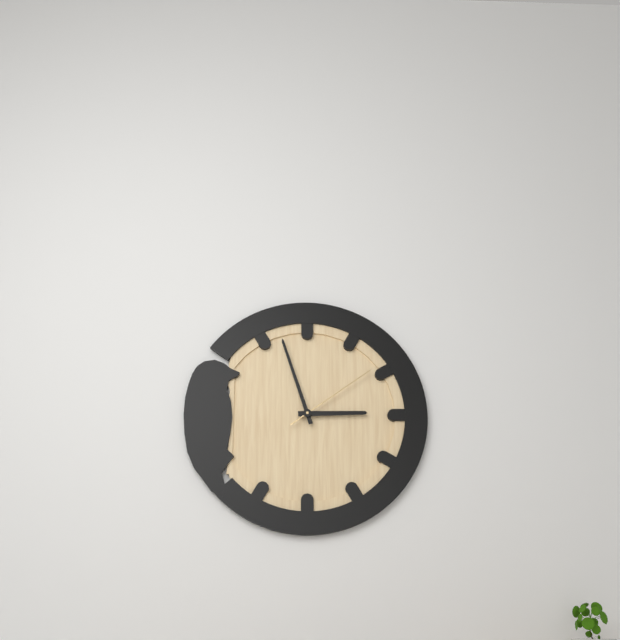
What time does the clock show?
2:57:09
